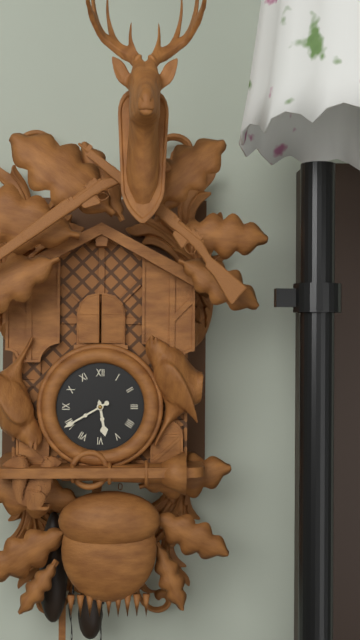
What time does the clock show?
5:40
